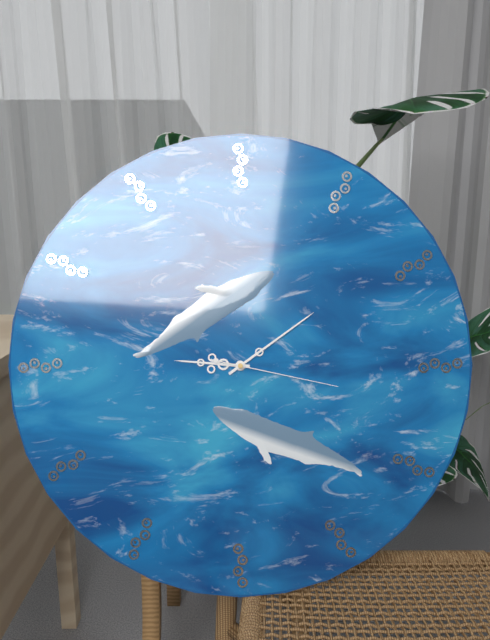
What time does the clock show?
9:09:17
